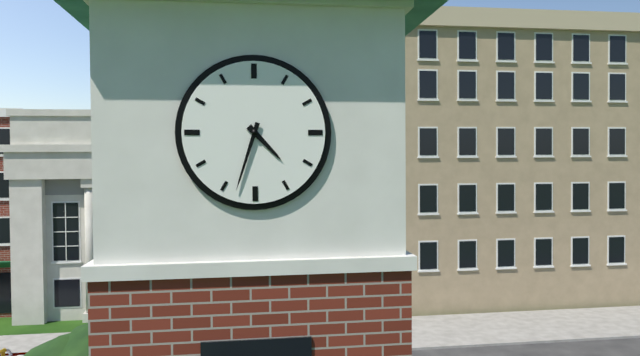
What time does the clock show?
4:33
